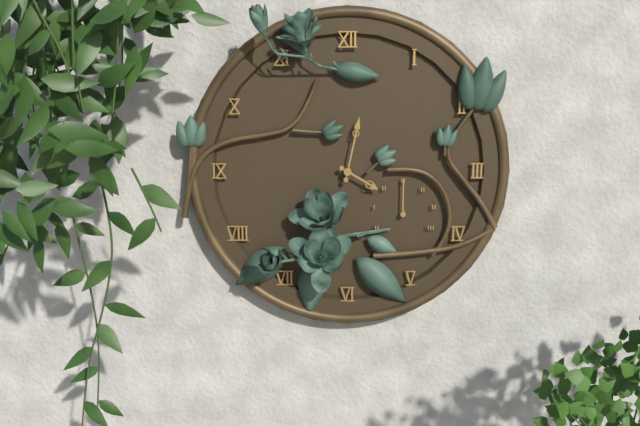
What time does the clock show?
4:02
